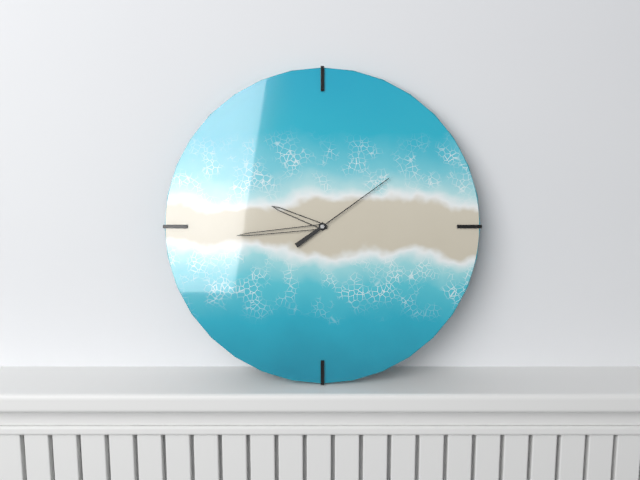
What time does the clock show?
9:44:09
